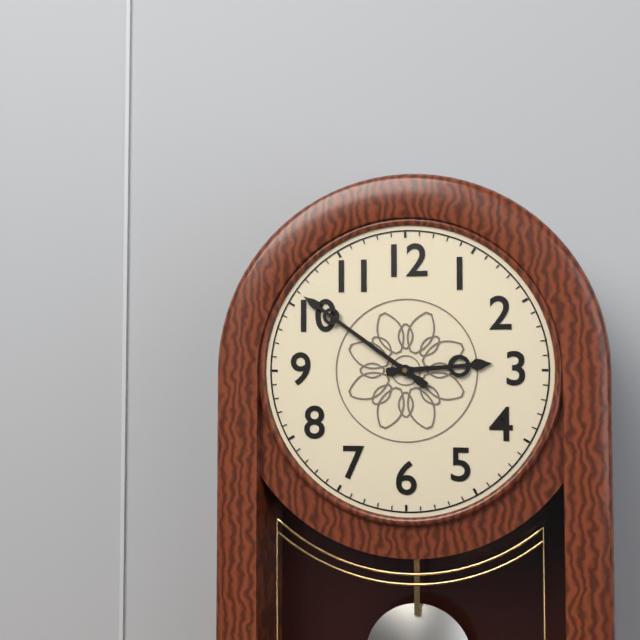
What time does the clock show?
2:51
